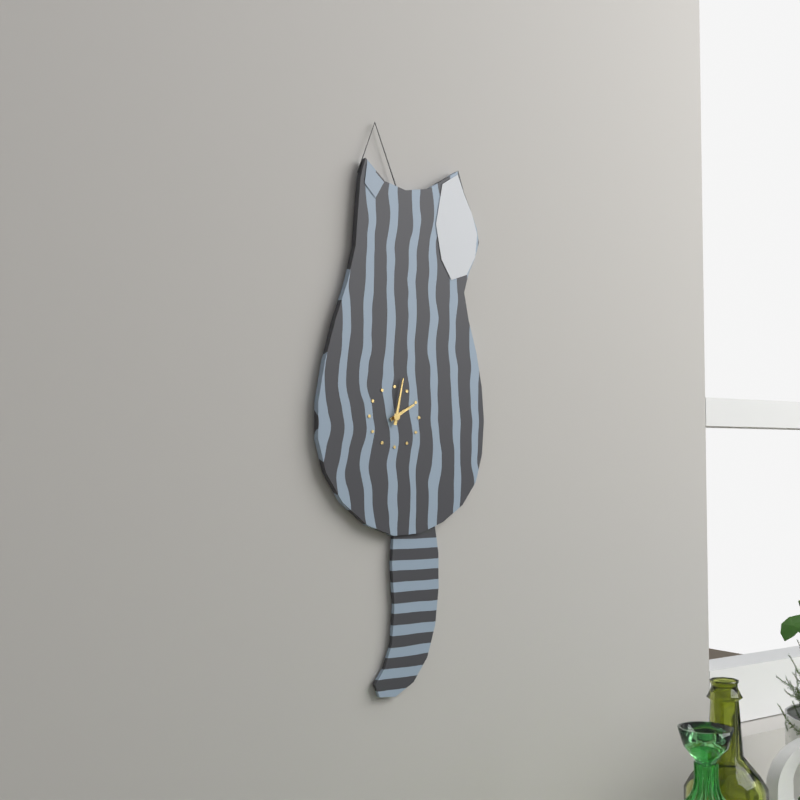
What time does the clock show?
2:02
